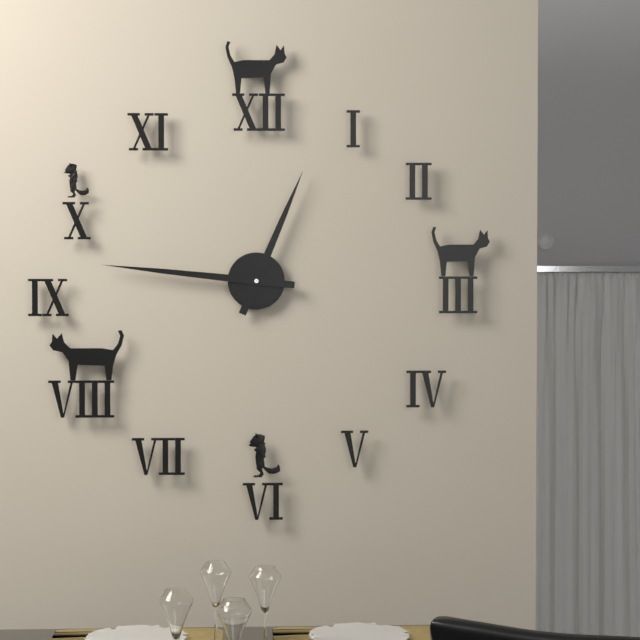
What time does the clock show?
12:46
